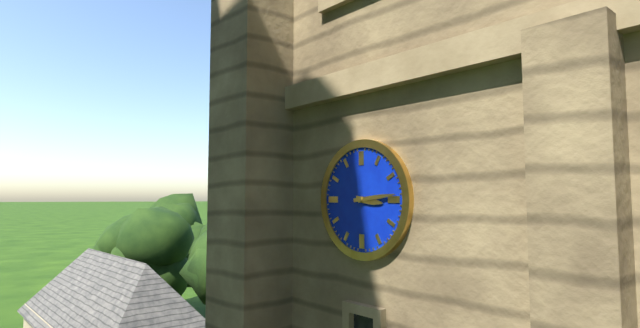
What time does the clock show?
3:14
